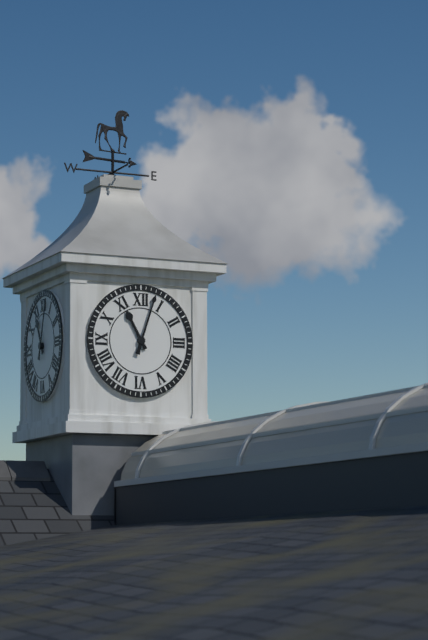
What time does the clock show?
11:03
